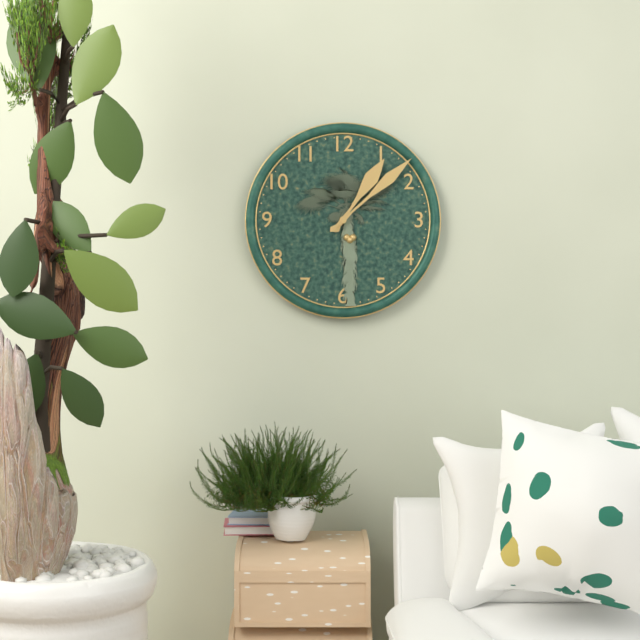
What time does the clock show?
1:08
